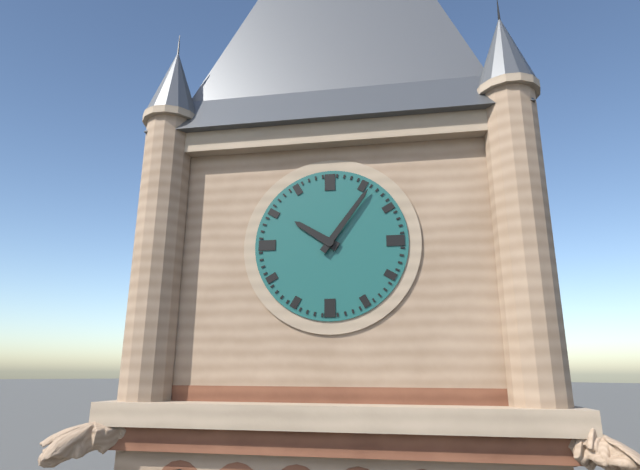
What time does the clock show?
10:06
